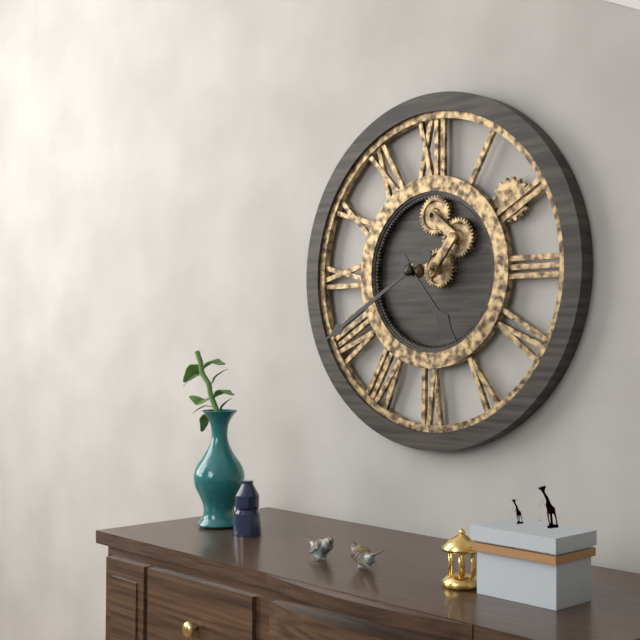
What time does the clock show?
4:40
